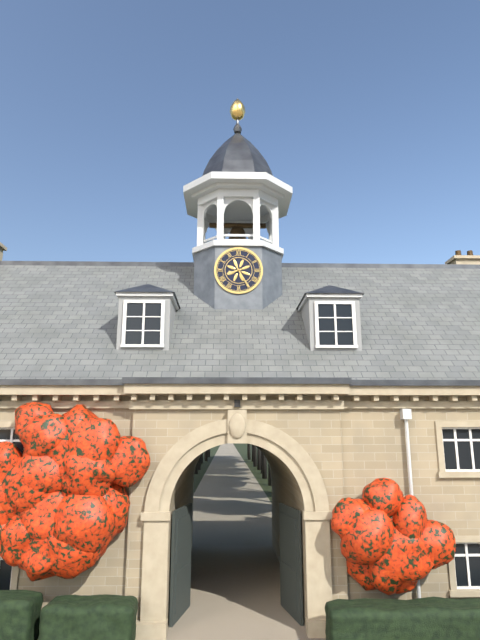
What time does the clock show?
8:25
